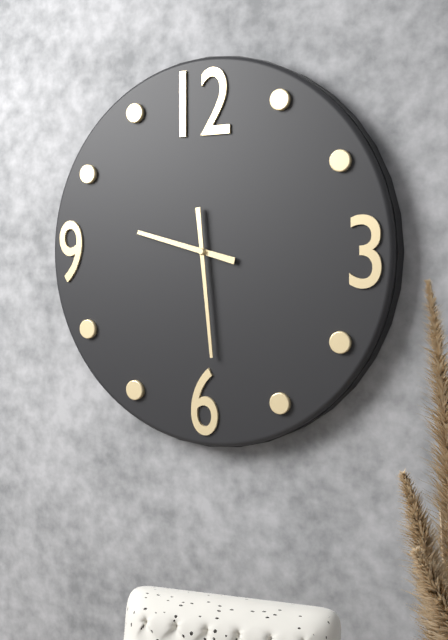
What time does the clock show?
9:29
